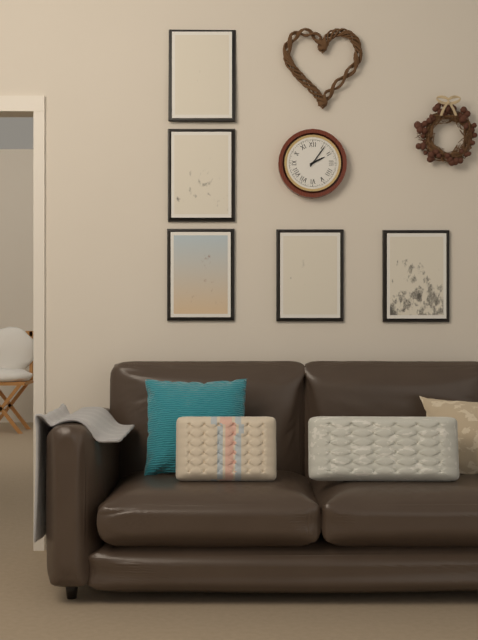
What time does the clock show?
2:06
